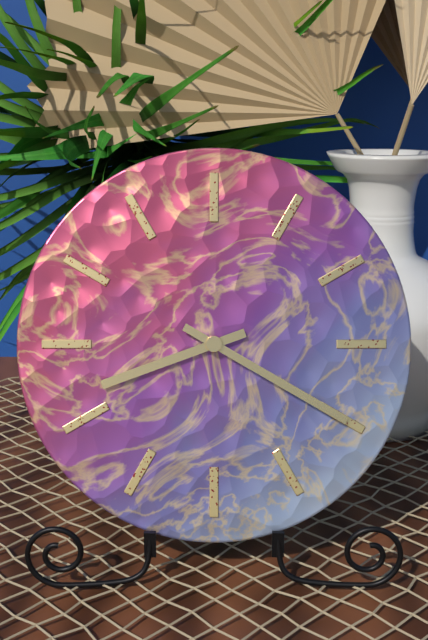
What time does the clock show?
8:20
